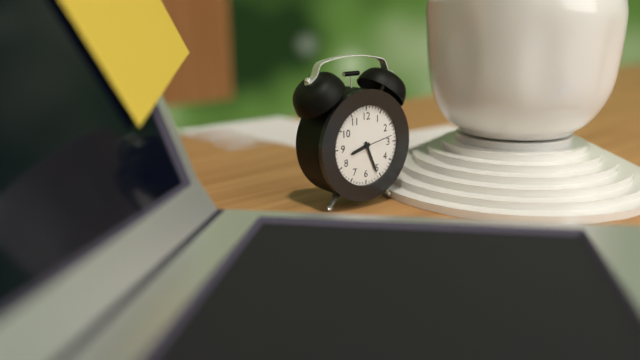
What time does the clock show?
8:26
